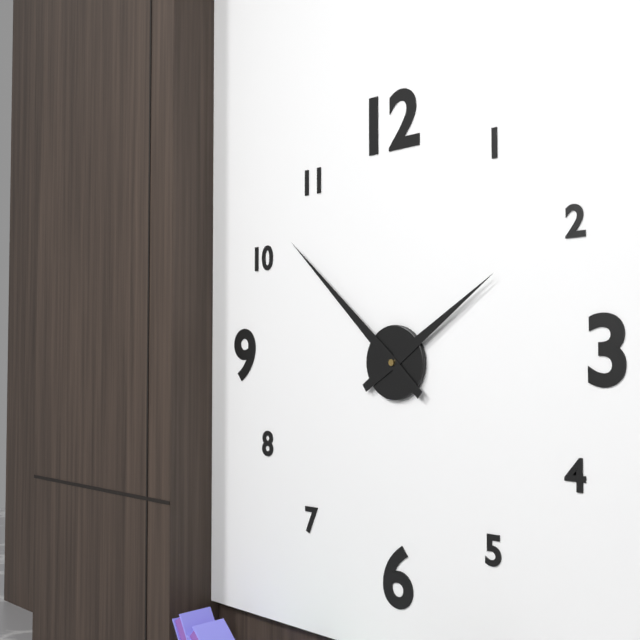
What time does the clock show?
1:52
